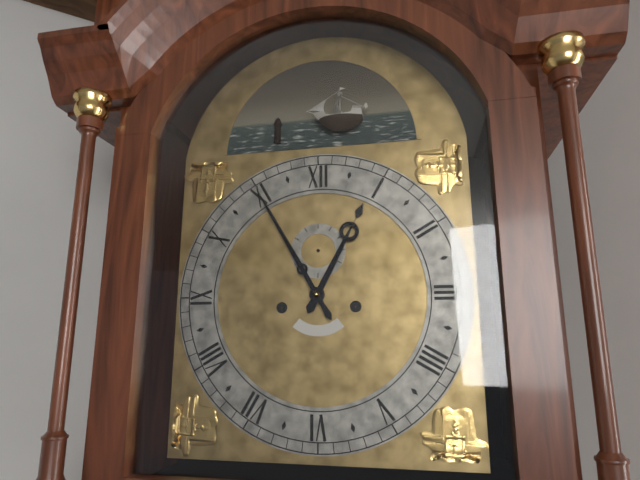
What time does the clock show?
12:55
